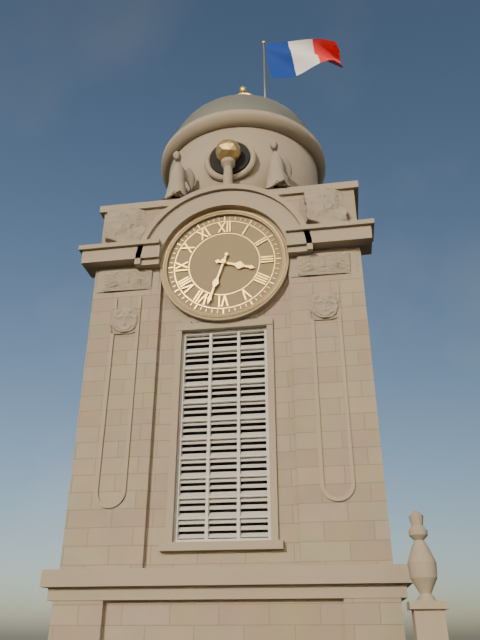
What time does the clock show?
3:33
